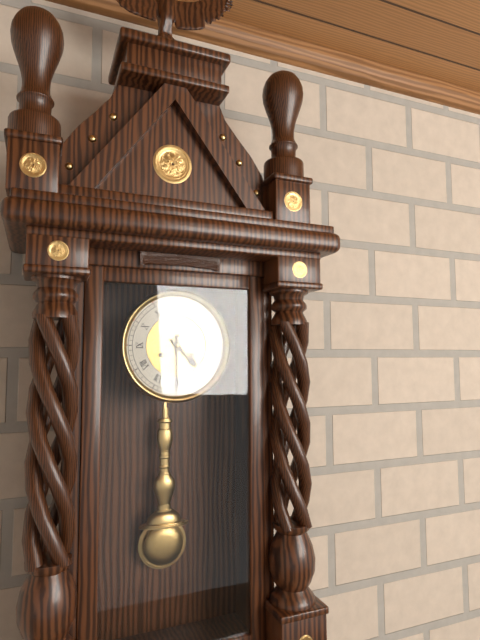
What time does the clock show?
4:30
